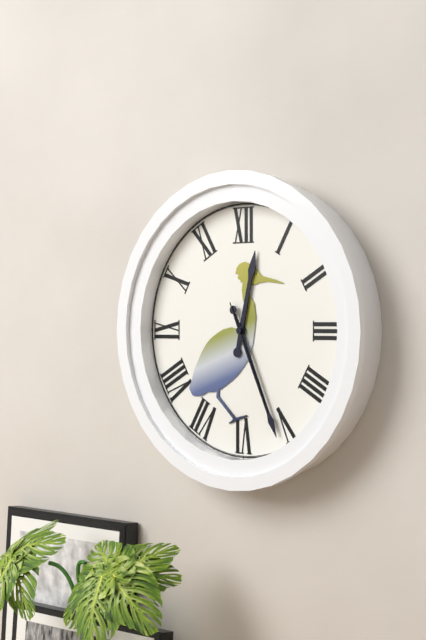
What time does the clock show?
12:26:26
